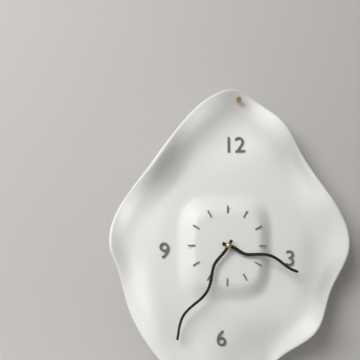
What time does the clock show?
3:35
